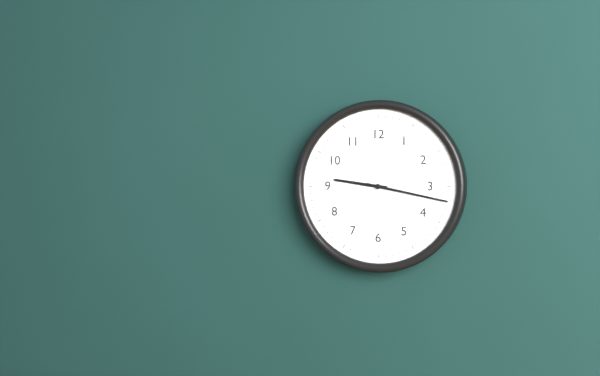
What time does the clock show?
9:17
